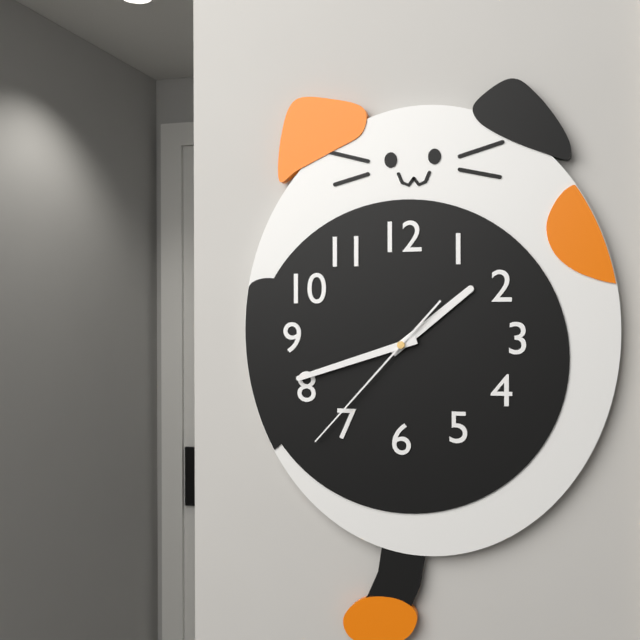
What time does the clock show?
1:42:37
